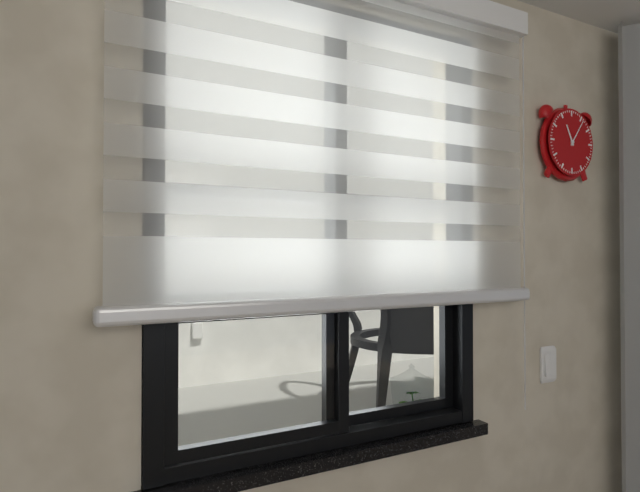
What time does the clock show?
11:06
